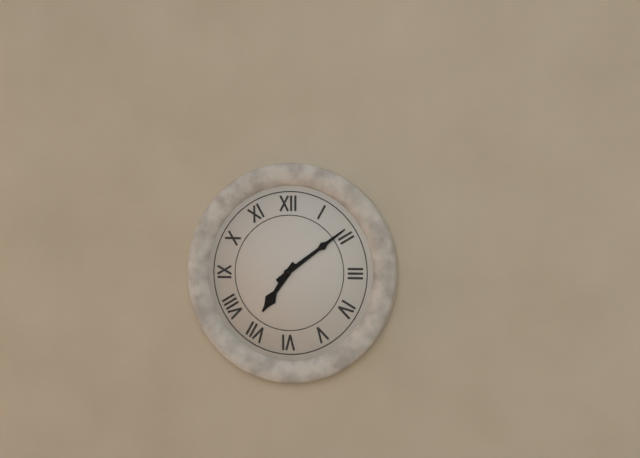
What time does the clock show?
7:09
